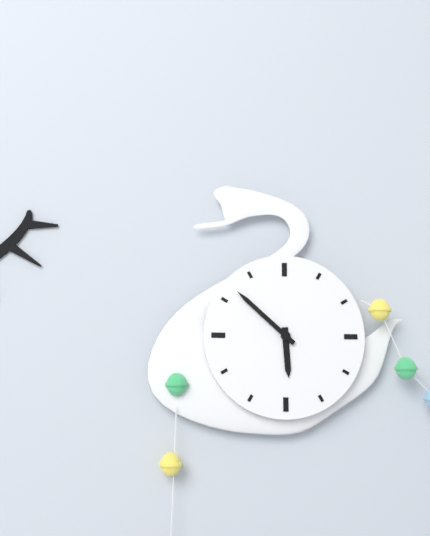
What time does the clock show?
5:52
